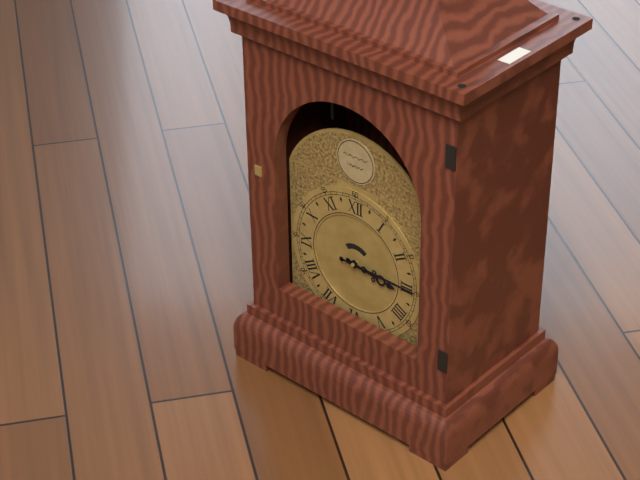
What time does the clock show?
3:15
